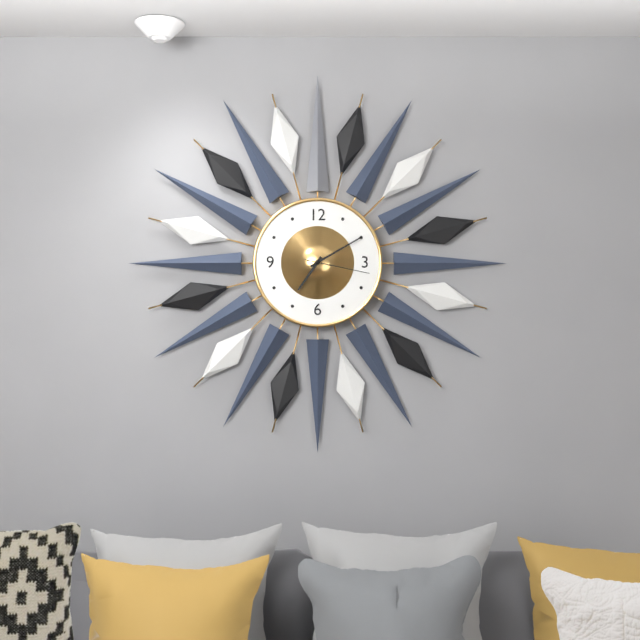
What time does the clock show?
7:10:17
